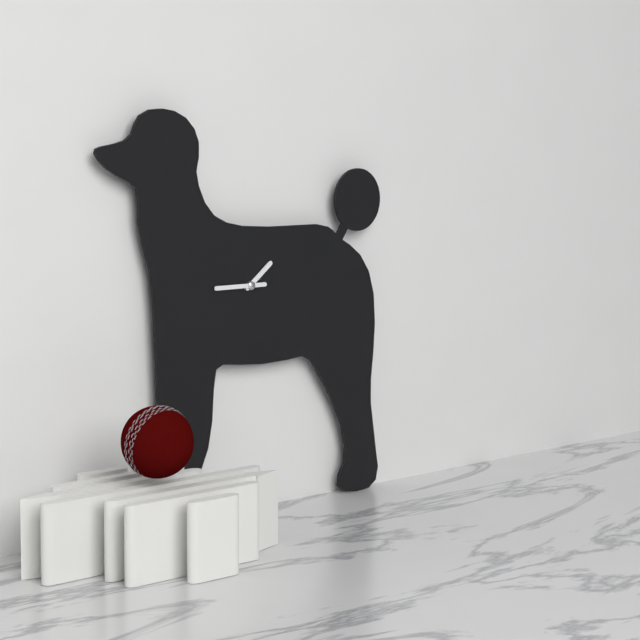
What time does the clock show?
1:45
